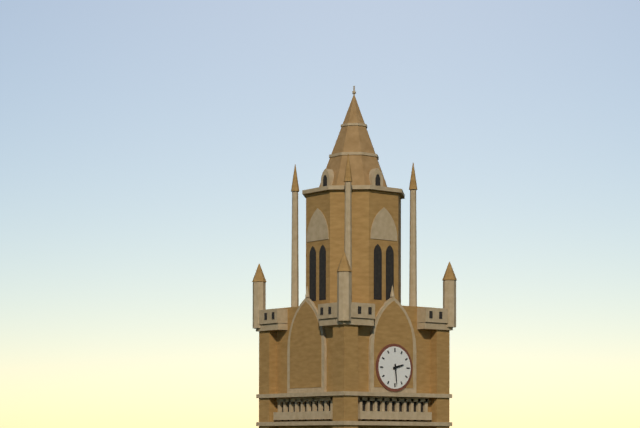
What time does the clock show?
2:29
